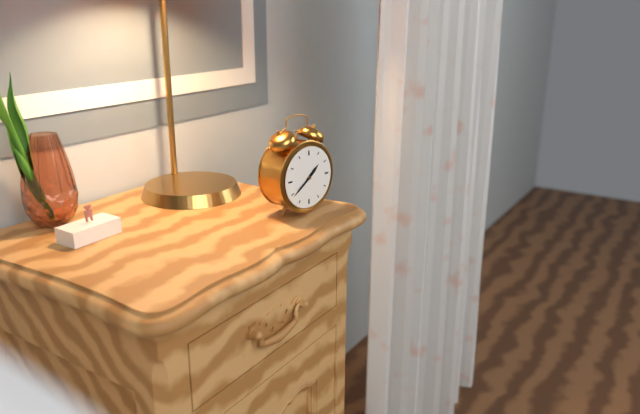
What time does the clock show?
1:39
